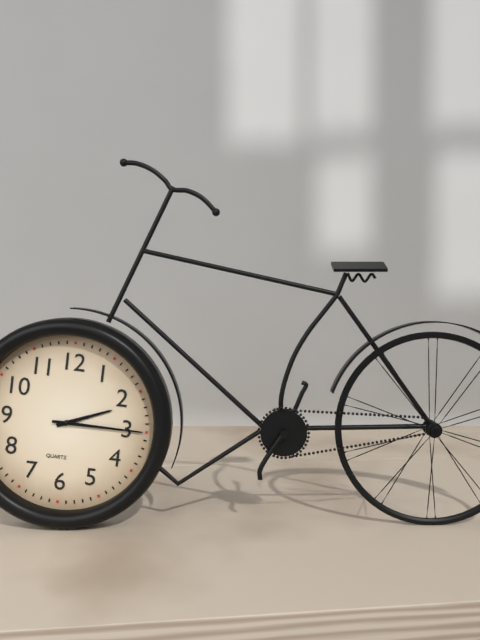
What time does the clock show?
2:15
